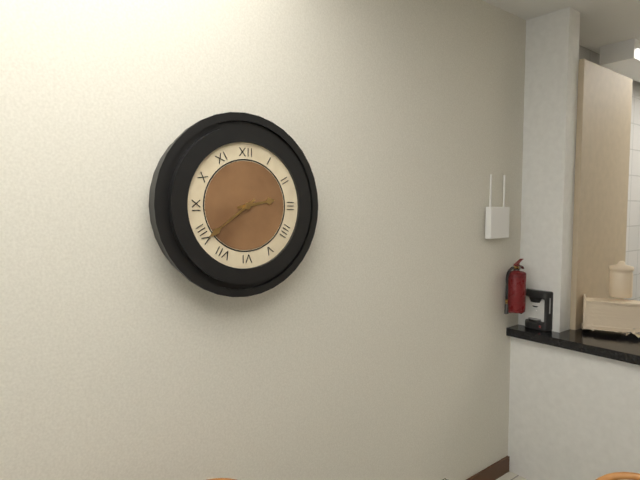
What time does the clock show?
2:39
